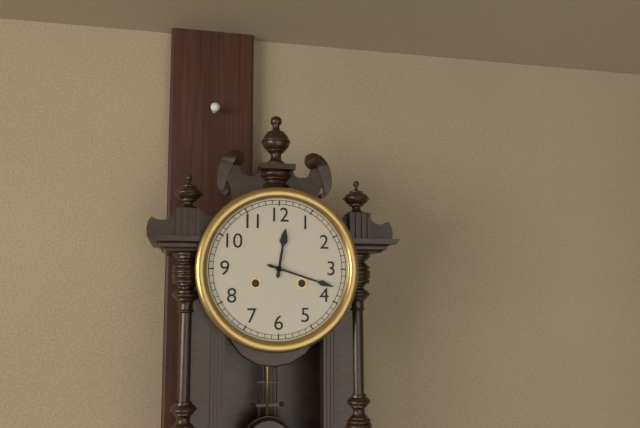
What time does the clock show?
12:18
